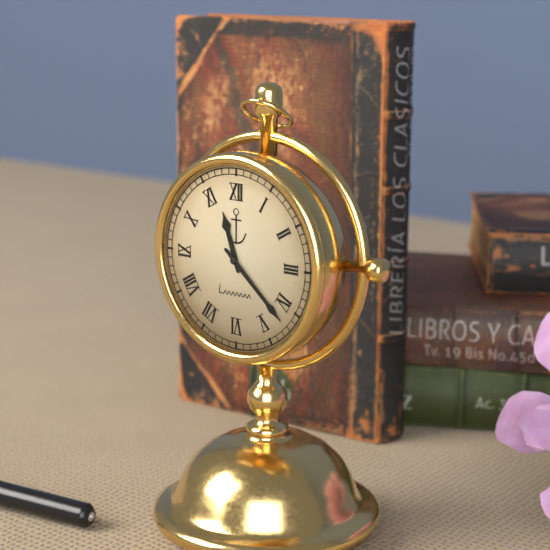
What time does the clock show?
11:22
